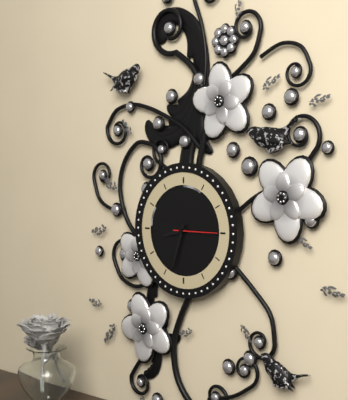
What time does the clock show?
8:33
